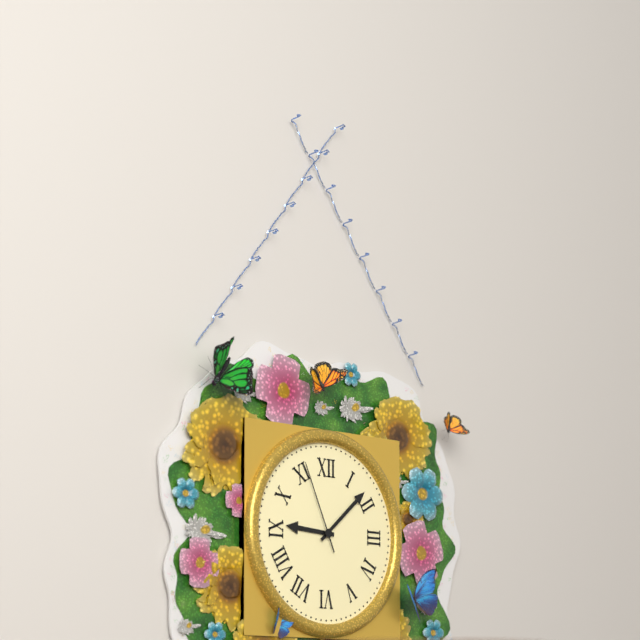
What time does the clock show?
9:08:56
